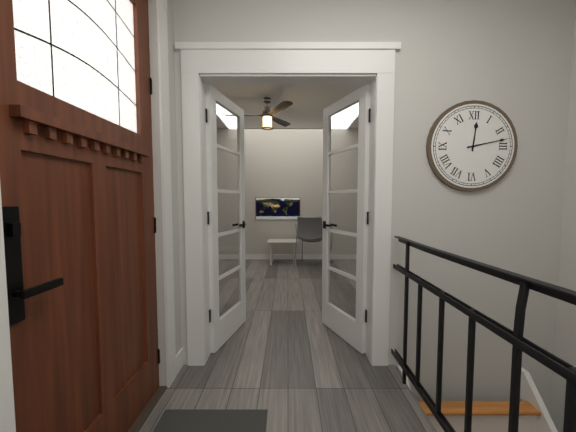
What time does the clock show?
12:13
